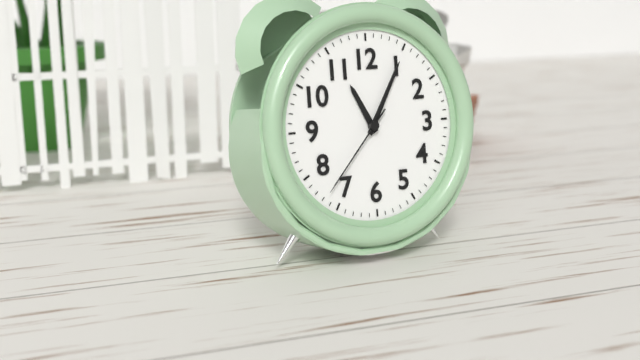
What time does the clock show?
11:05:37
